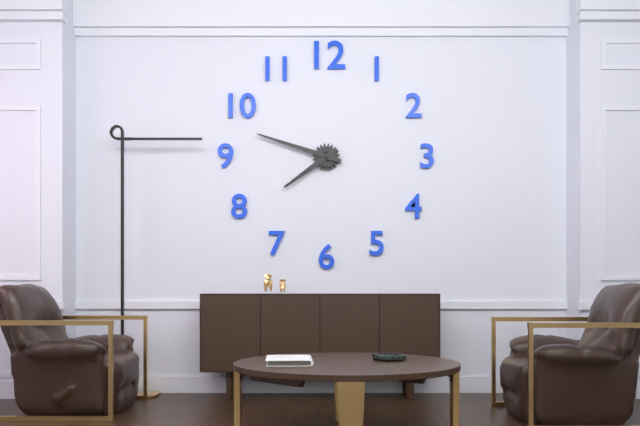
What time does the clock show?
7:48
